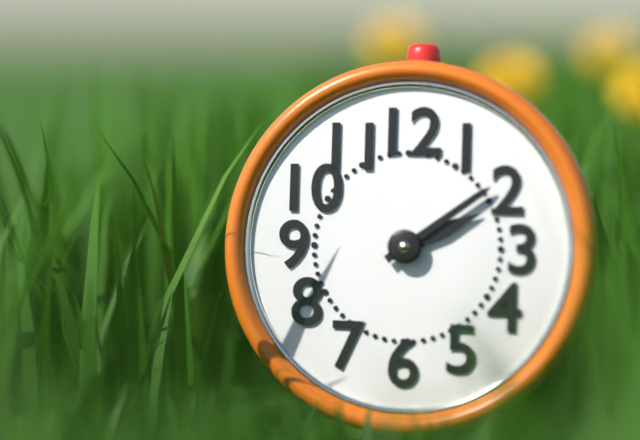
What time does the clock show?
2:09
